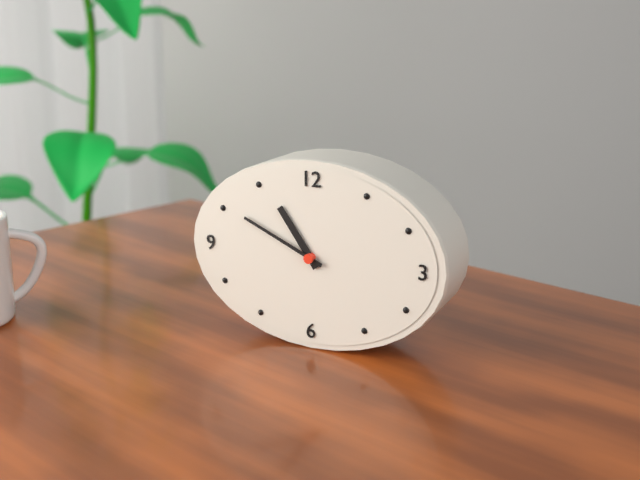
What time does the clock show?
10:49
